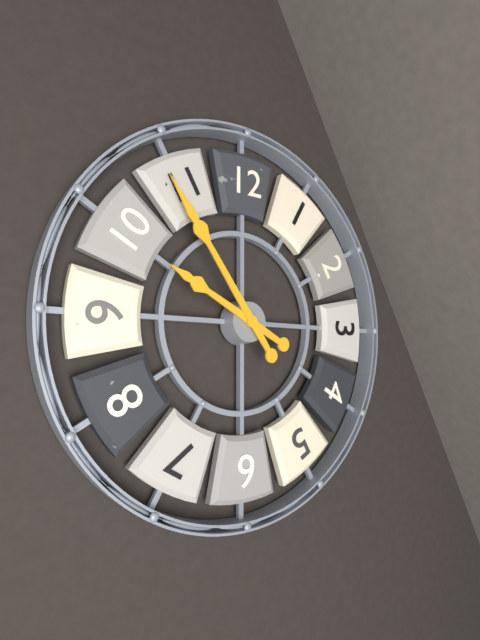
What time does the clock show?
9:54
